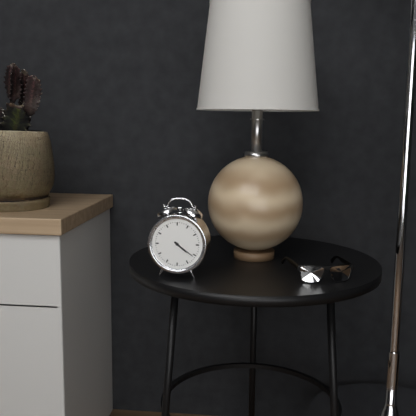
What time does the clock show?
4:21
